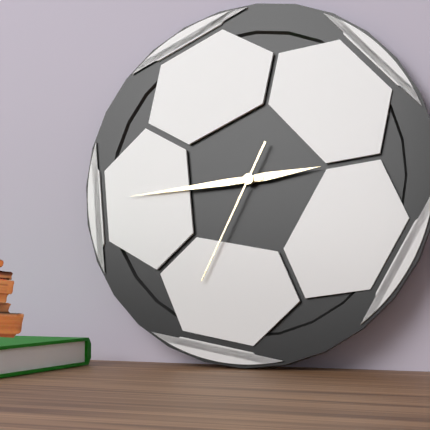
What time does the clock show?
2:44:34
